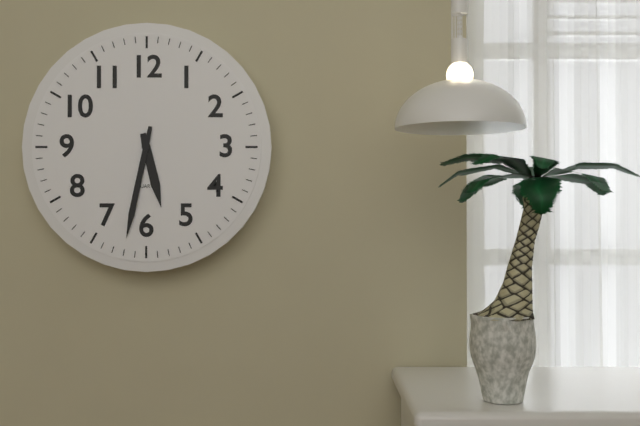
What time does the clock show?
5:32
